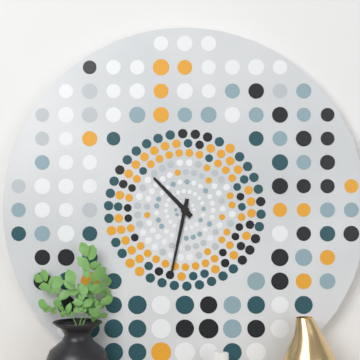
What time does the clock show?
10:32
